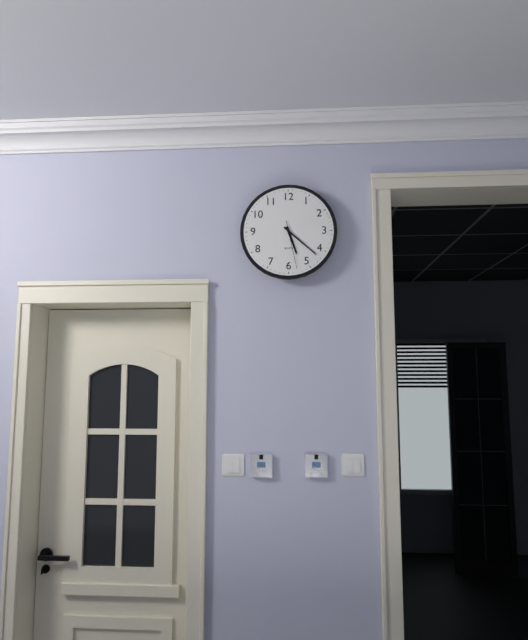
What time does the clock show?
5:22
